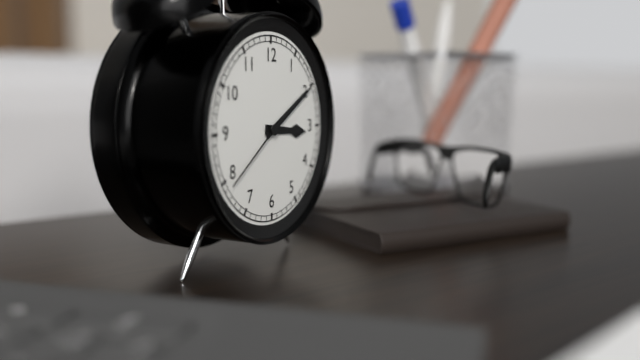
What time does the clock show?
3:10:39
